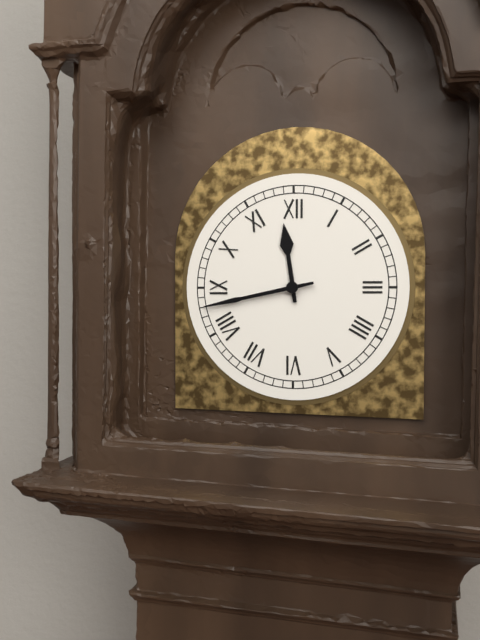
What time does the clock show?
11:43
